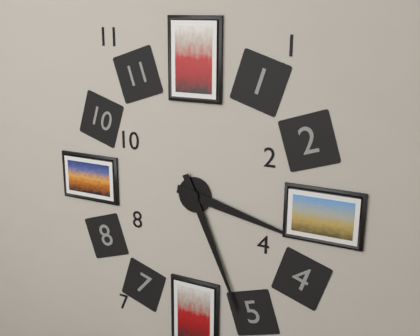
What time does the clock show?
3:26
